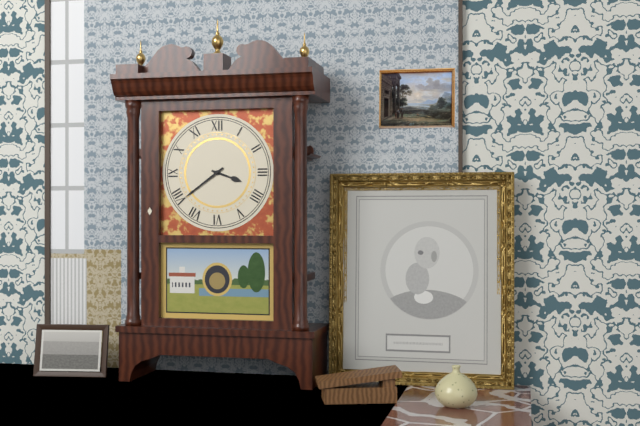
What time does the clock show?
3:39
